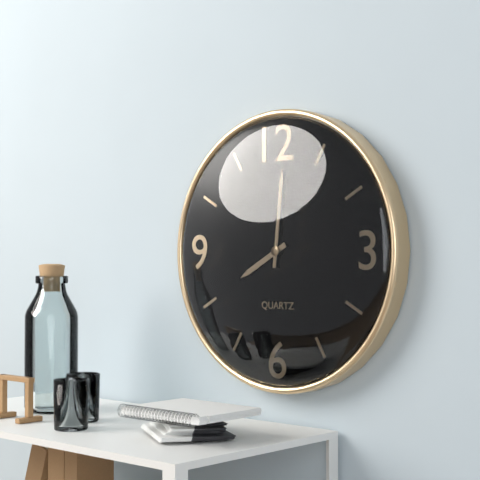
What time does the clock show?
8:01
